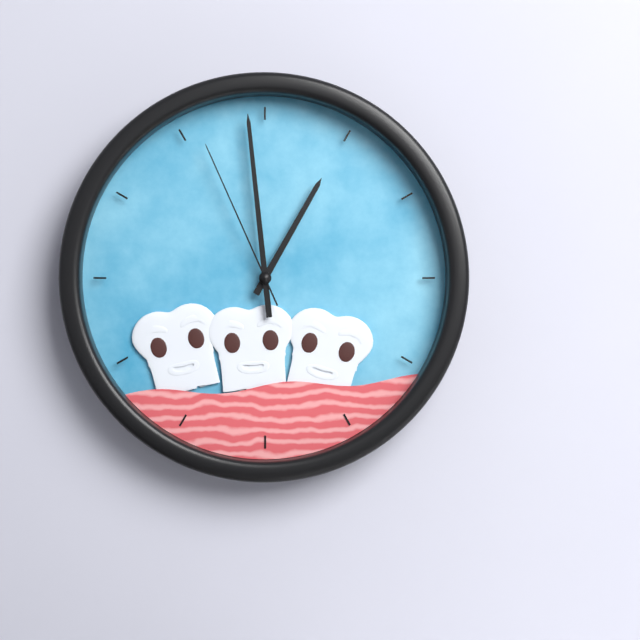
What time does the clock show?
12:59:56
